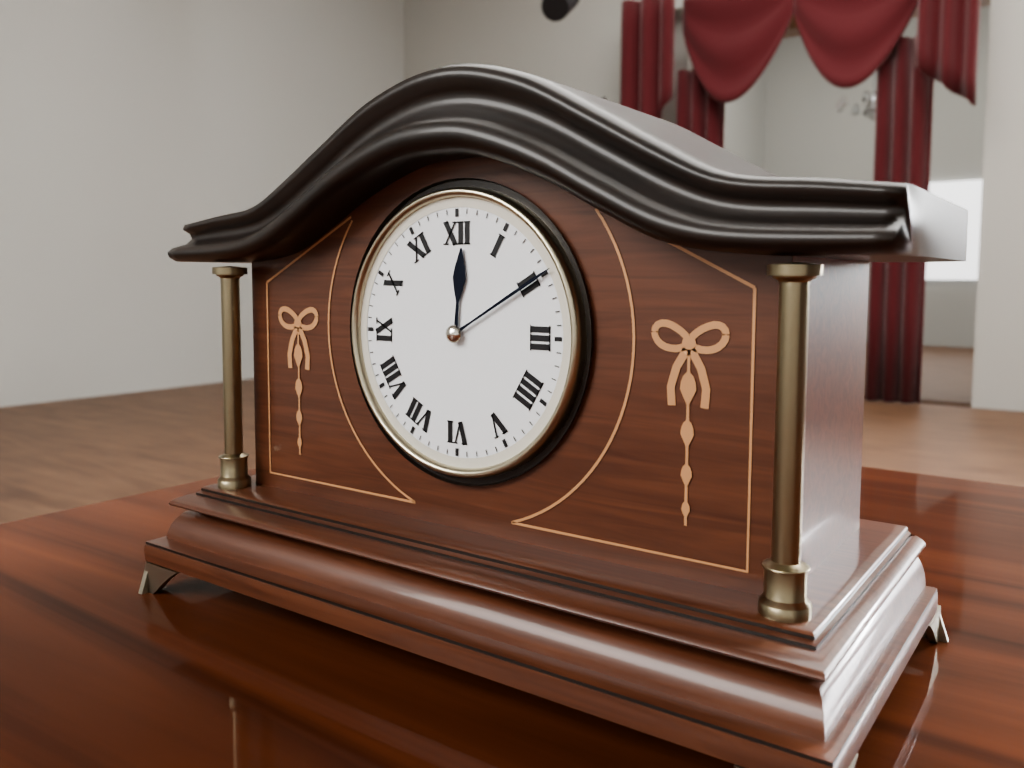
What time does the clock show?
12:10
